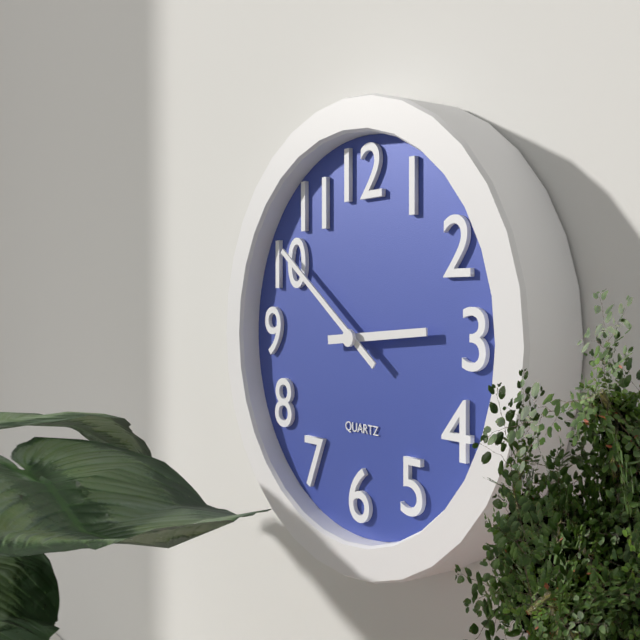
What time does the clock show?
2:51
